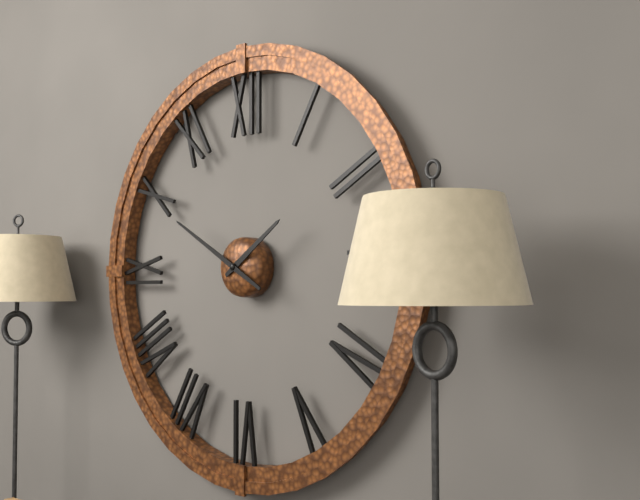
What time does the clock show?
1:50
